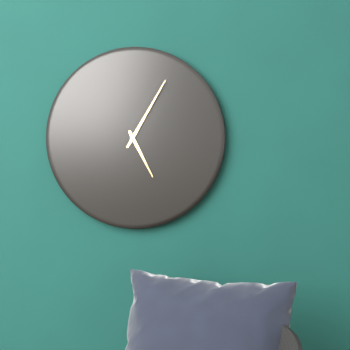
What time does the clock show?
5:05
